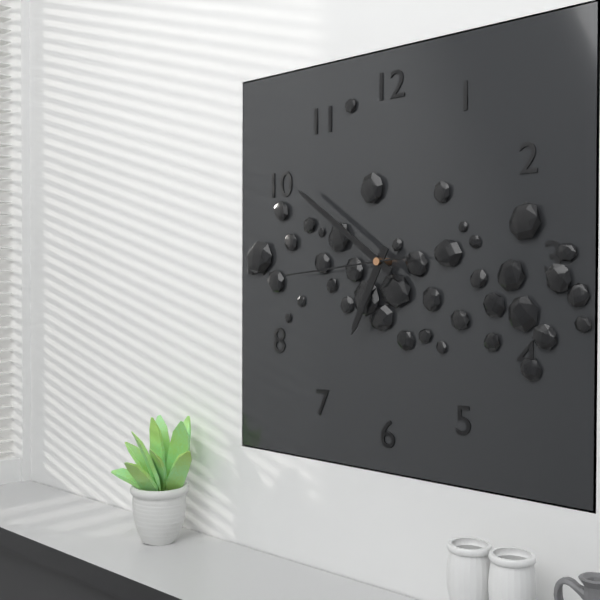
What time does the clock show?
6:51:44
